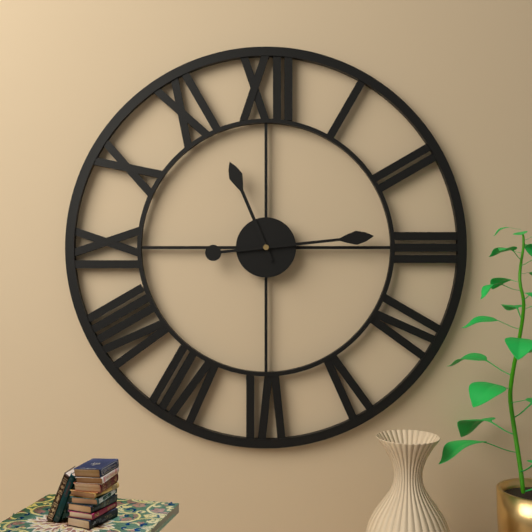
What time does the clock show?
11:14
